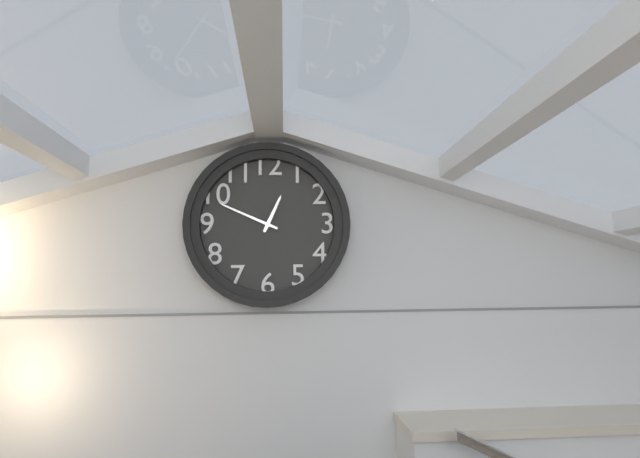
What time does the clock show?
12:49
